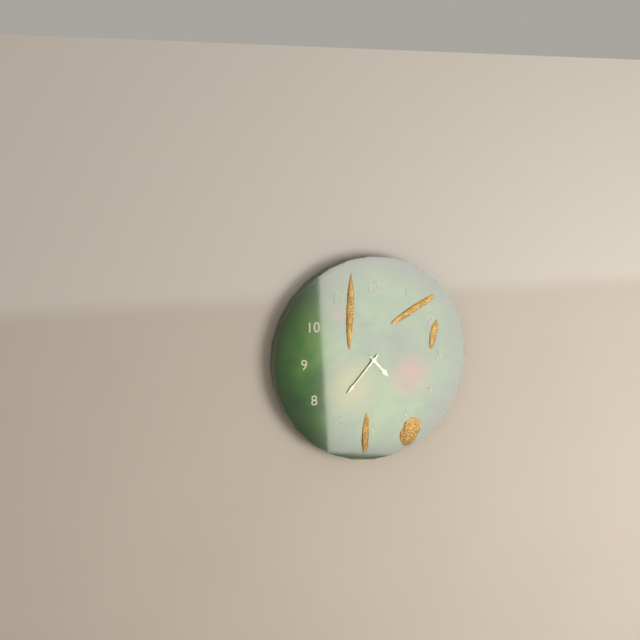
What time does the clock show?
4:37
